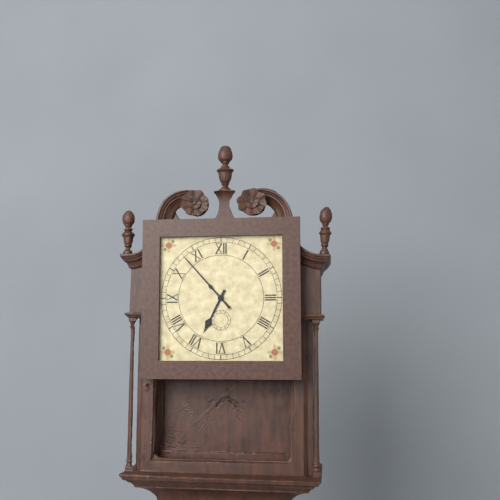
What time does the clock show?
6:53
